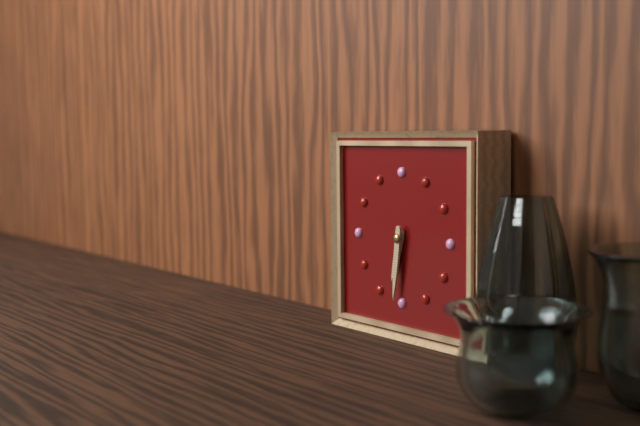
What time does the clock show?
6:31
